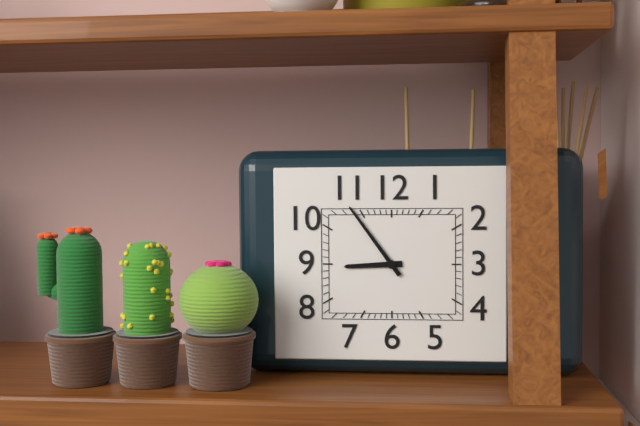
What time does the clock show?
8:54
